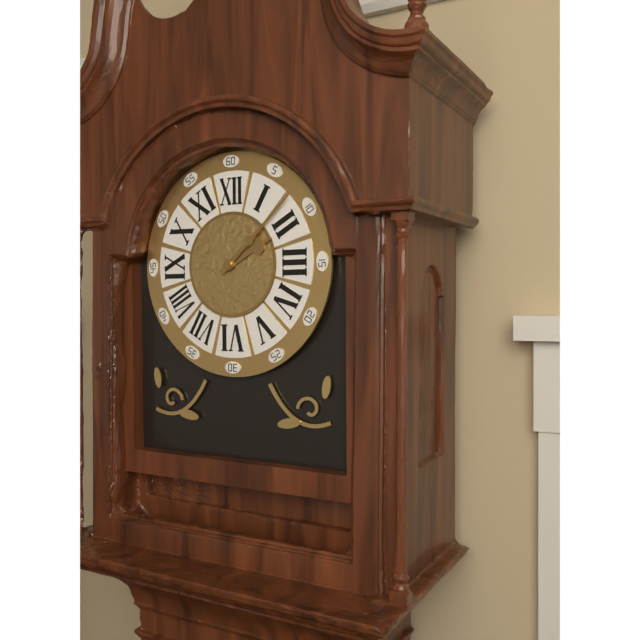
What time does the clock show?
2:08
